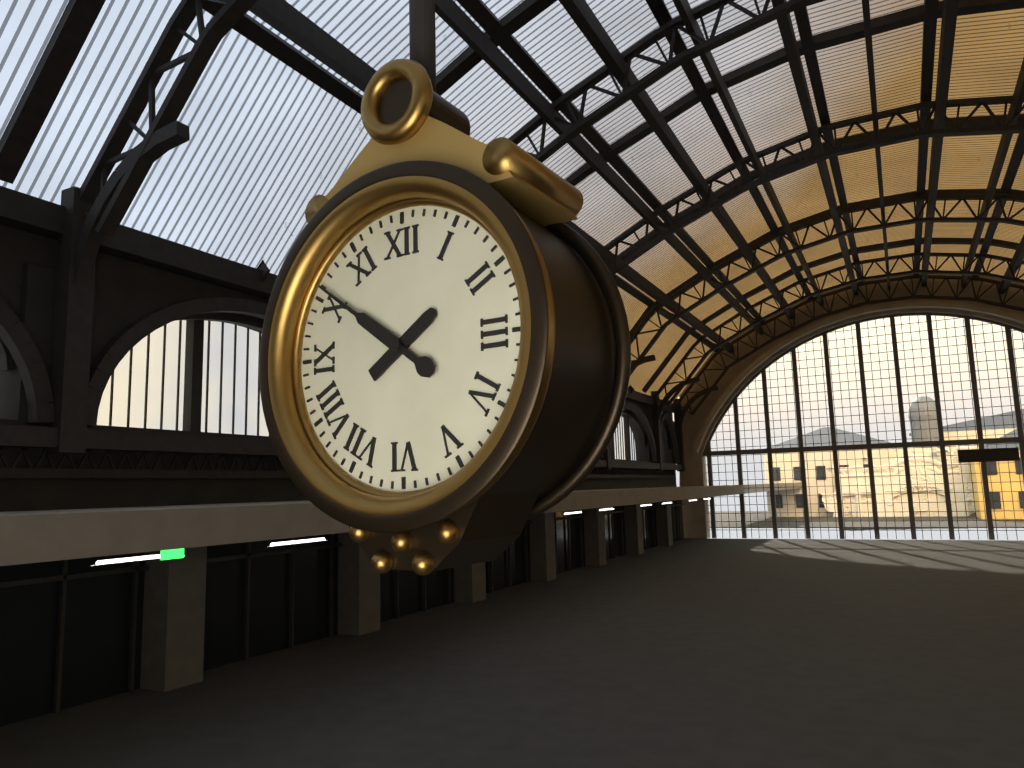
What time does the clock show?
1:51
